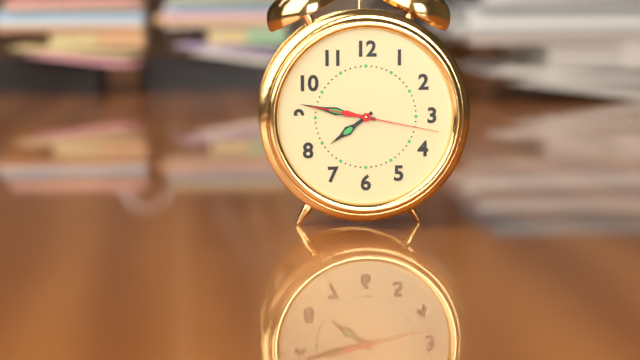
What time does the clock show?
7:47:17
